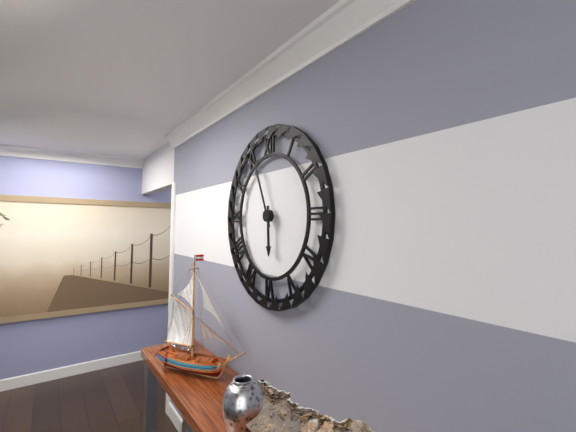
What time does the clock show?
5:56
